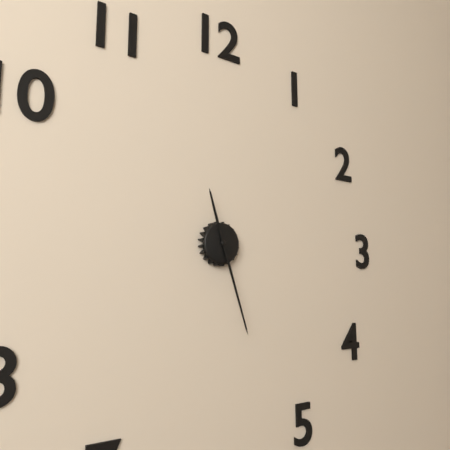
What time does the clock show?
11:27
